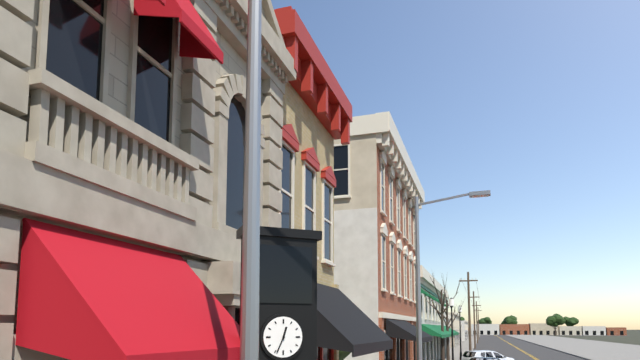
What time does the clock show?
12:34
